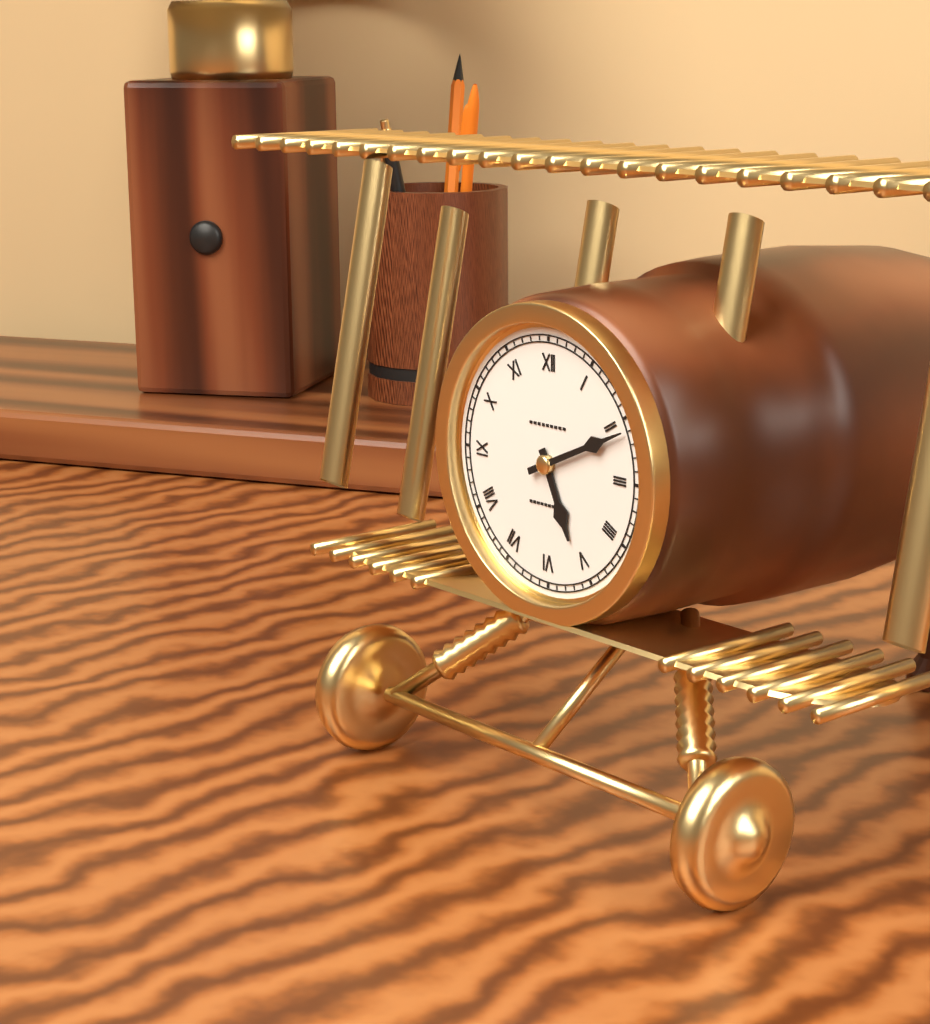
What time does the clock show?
5:11
